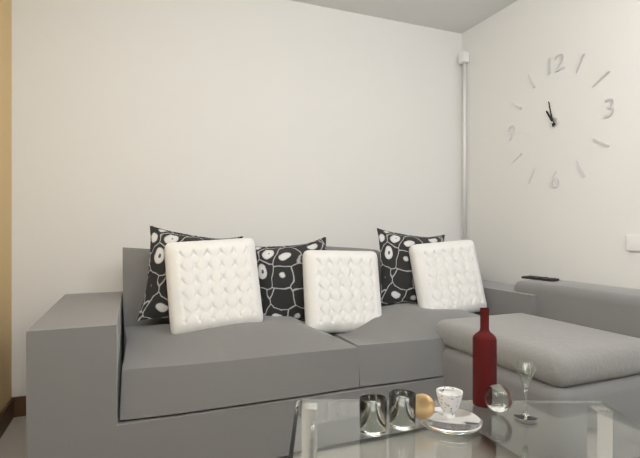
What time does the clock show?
10:58
